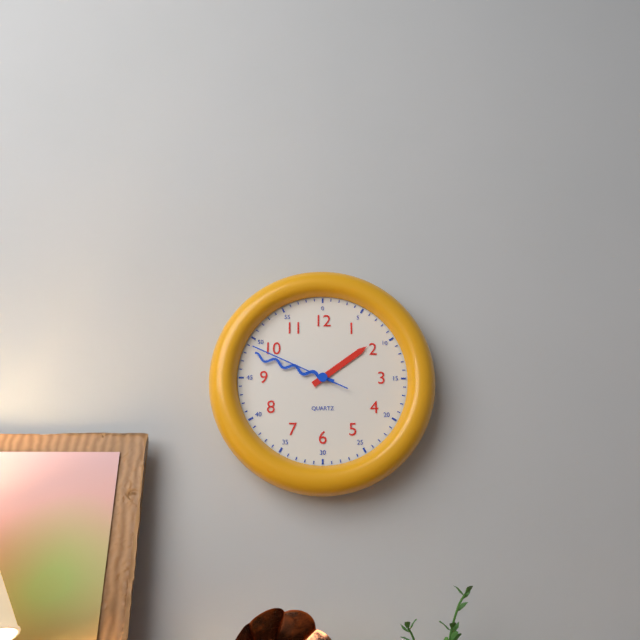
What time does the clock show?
1:48:49
